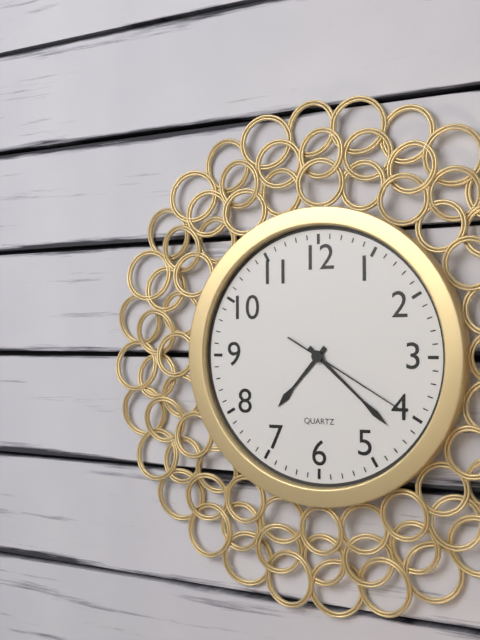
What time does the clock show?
7:22:20
